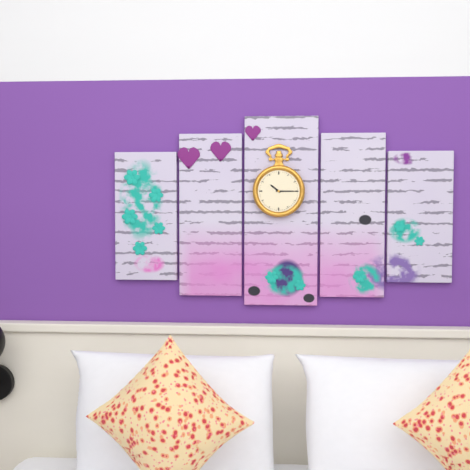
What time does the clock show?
10:15
